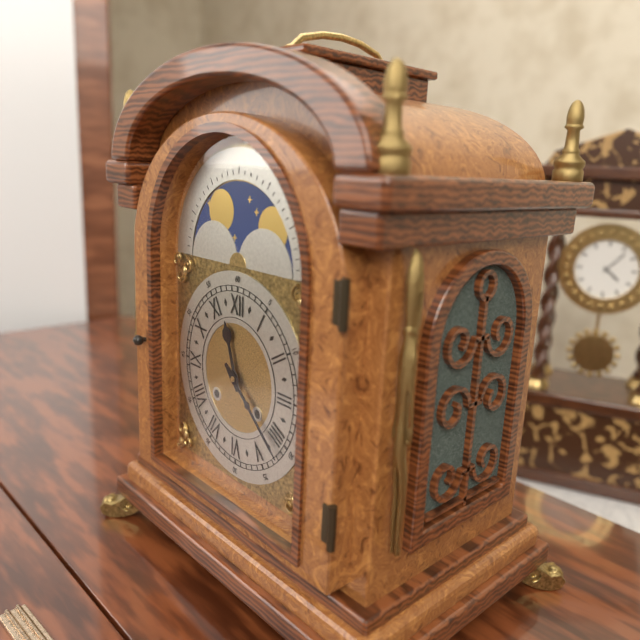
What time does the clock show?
11:22
